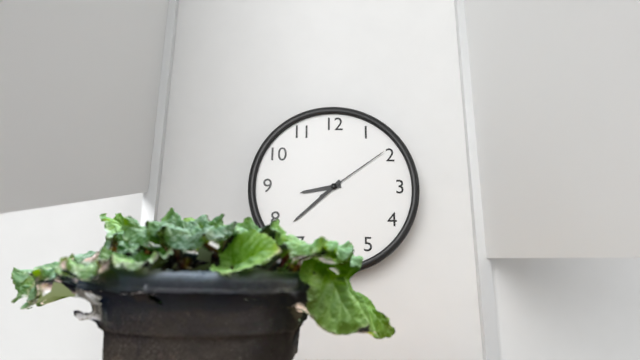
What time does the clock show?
8:38:09
